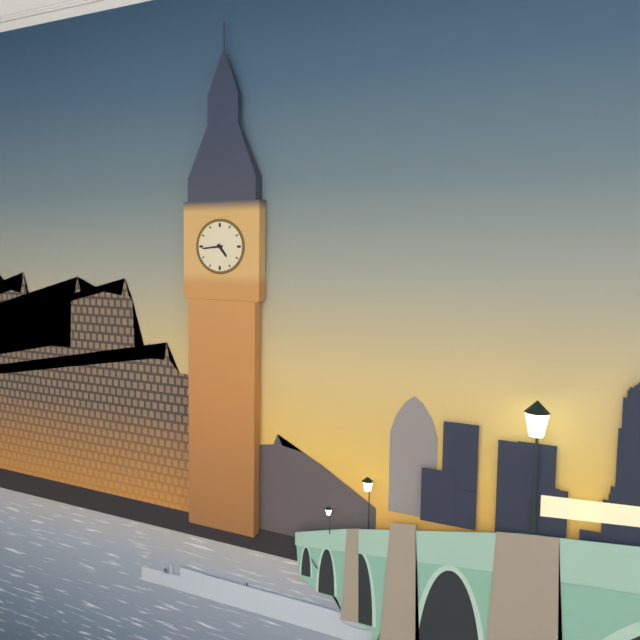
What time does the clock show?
4:44
